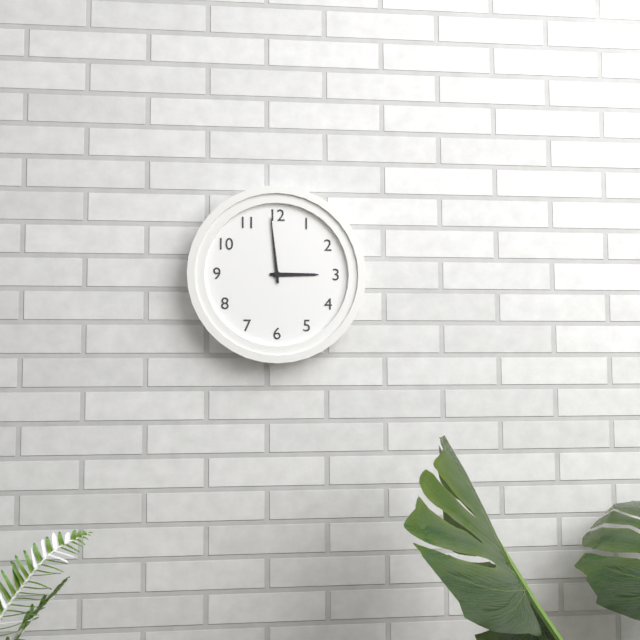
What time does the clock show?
2:59
